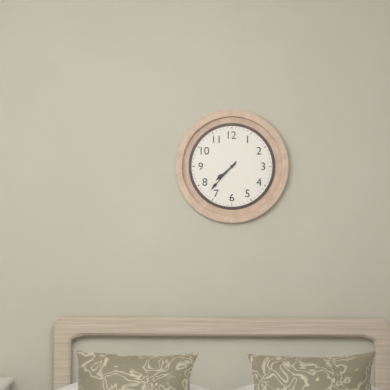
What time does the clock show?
7:37
